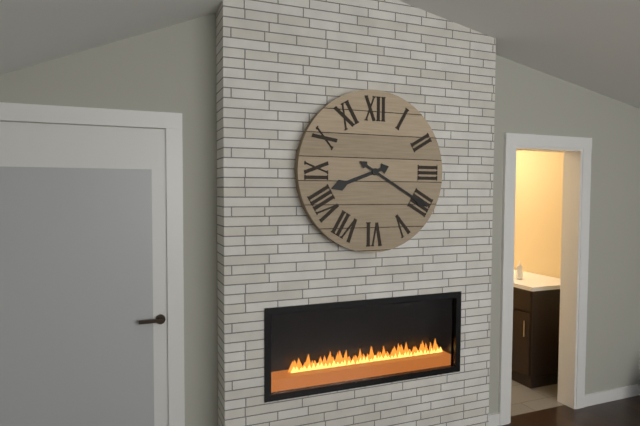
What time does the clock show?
8:20
